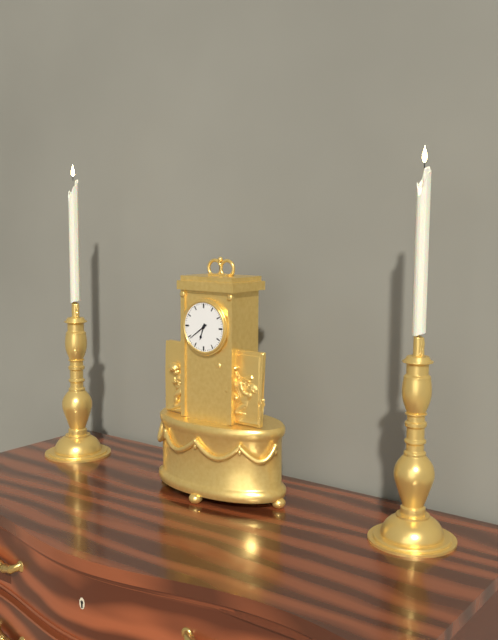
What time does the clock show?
6:39
